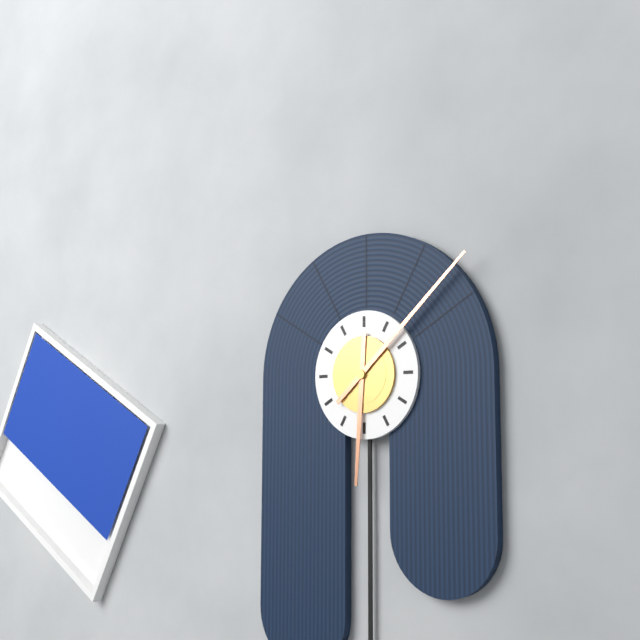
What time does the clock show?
6:08
